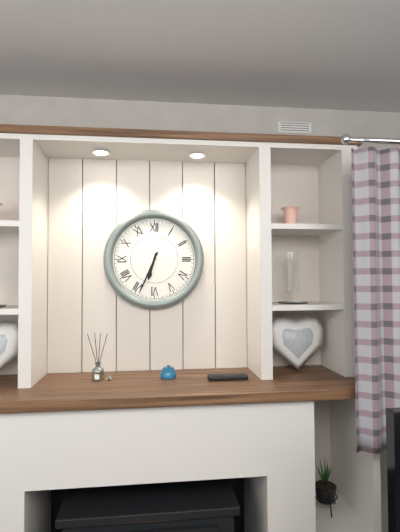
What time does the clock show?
6:34
